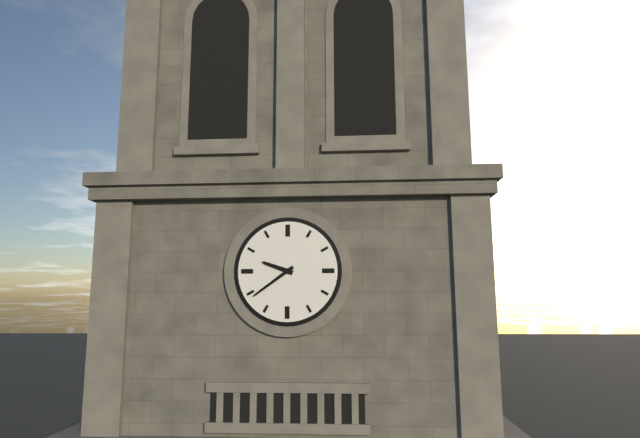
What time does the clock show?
9:39
